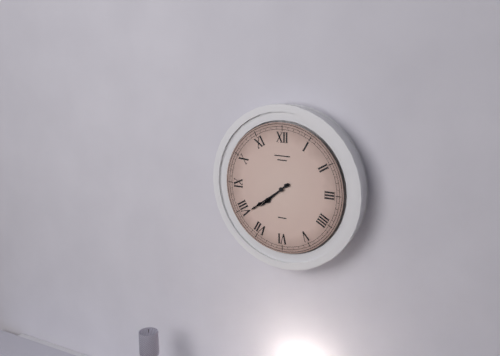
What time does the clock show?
7:39
